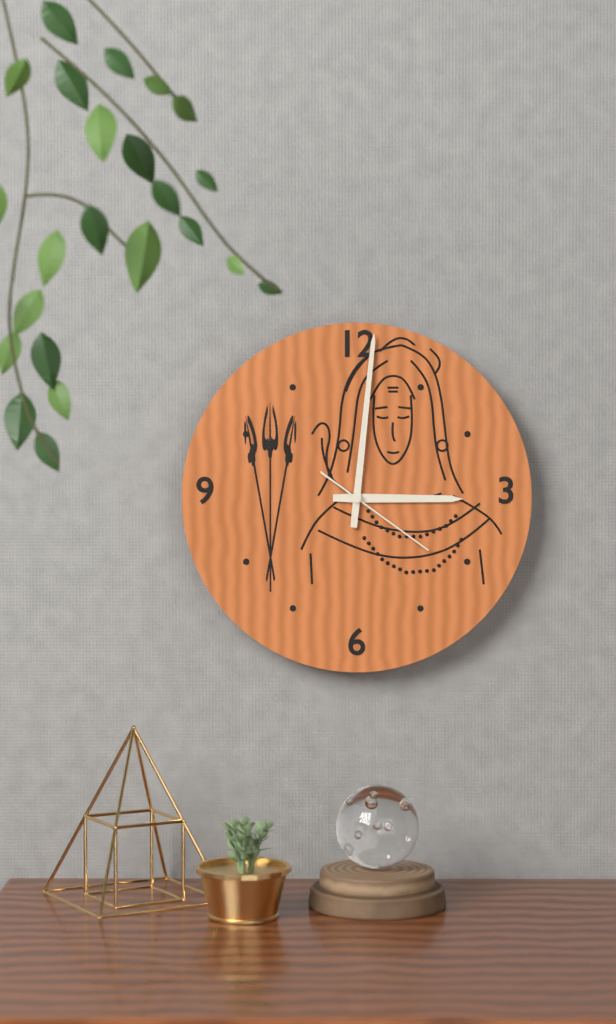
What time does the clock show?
3:01:21
